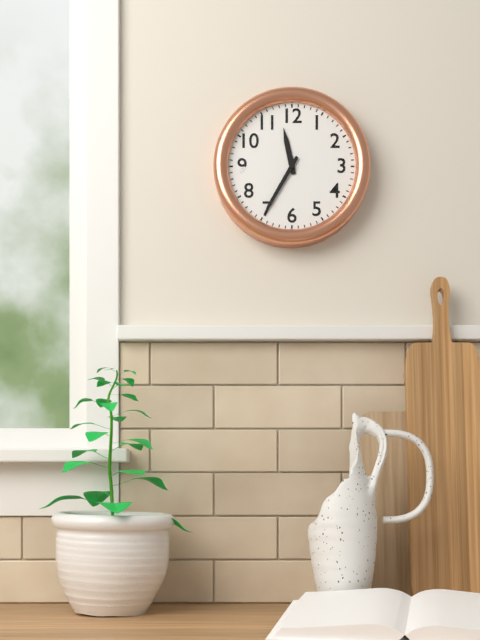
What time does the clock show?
11:35
